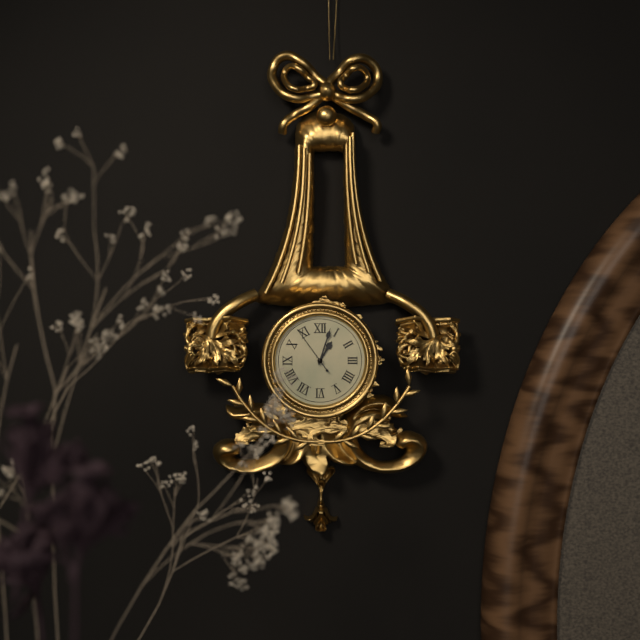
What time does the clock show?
1:03
